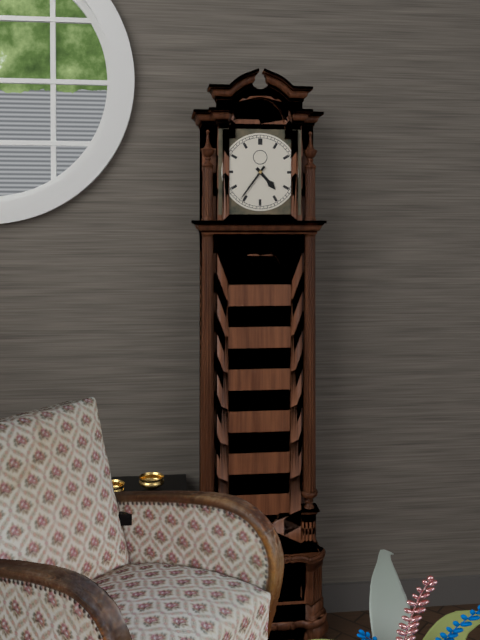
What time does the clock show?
4:36
